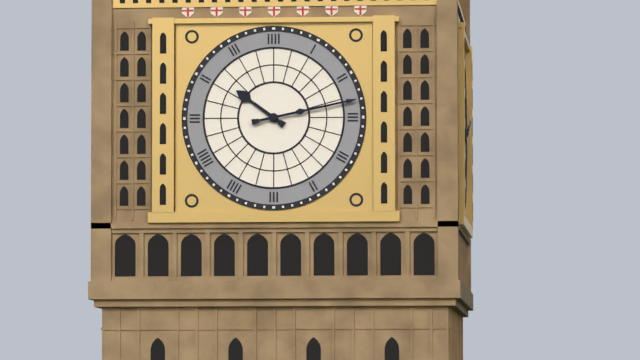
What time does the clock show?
10:13
